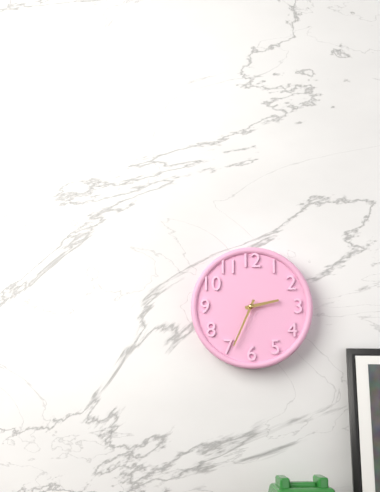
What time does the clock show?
2:34
